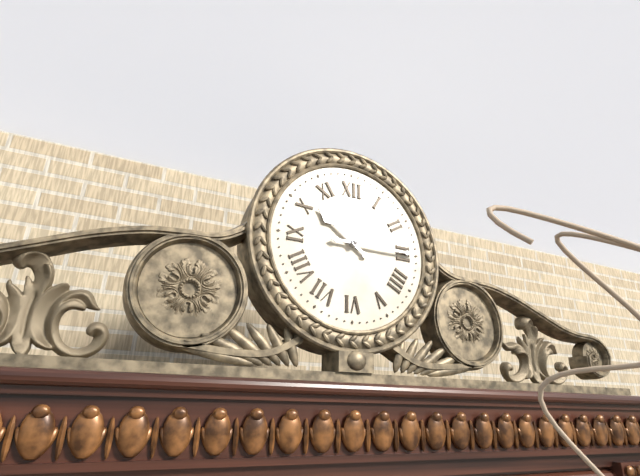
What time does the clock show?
10:15
